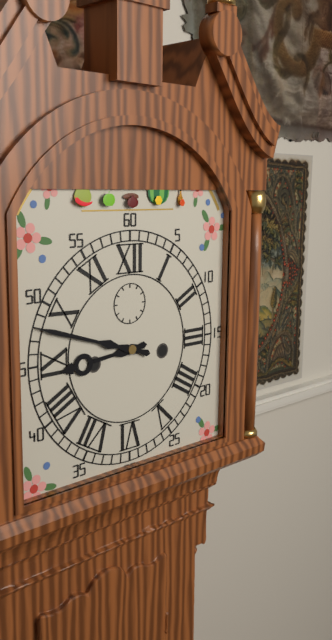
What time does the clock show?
8:48
